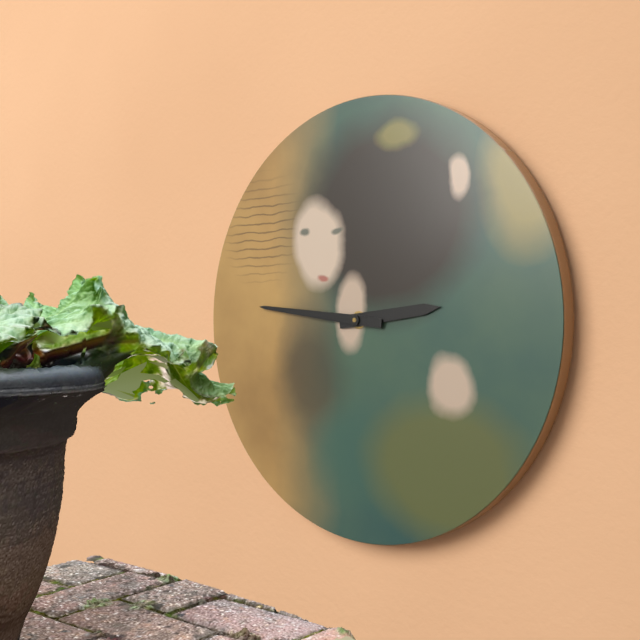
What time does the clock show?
2:46
